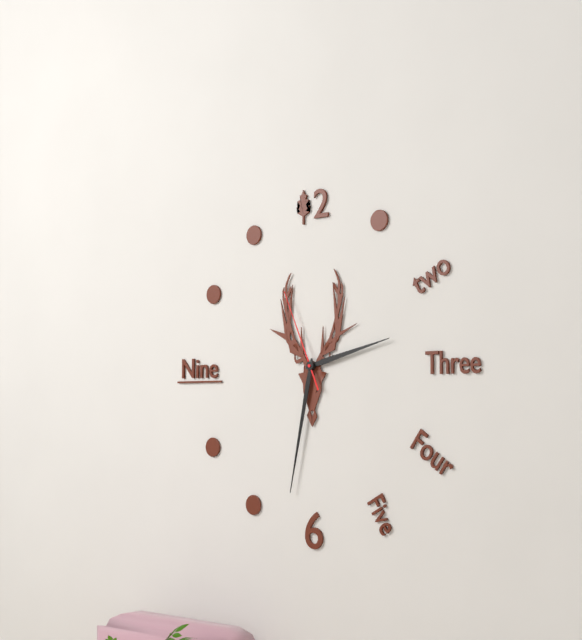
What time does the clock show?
2:32:56
